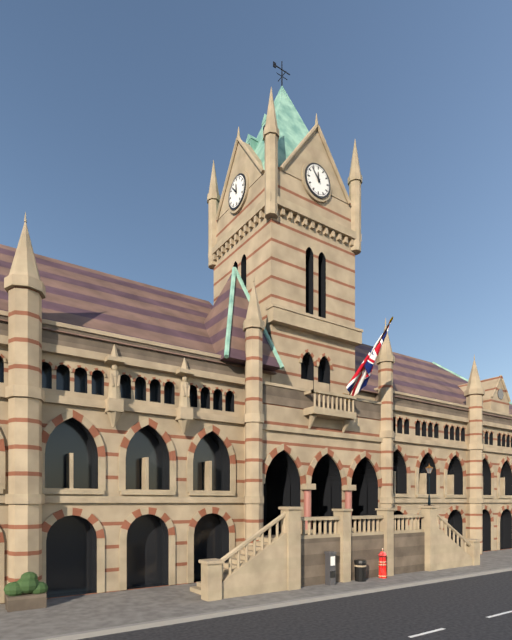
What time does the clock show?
11:53
